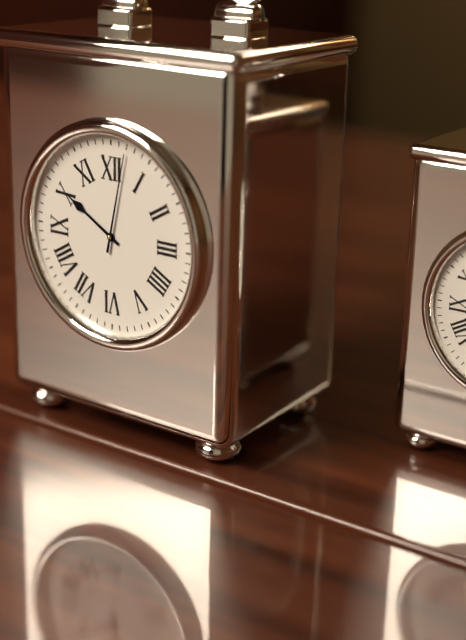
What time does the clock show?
10:02
